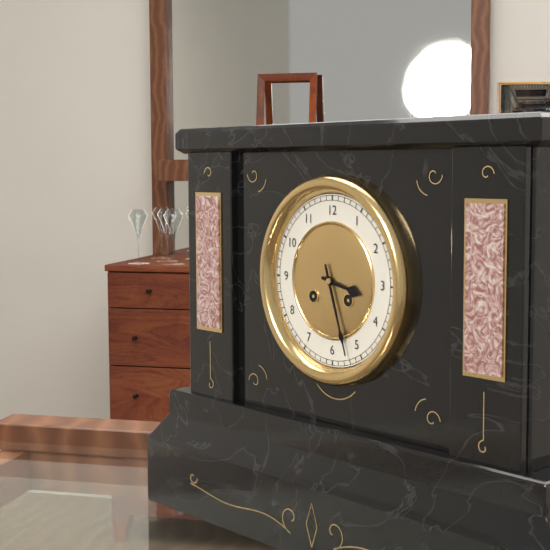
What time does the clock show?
3:27
